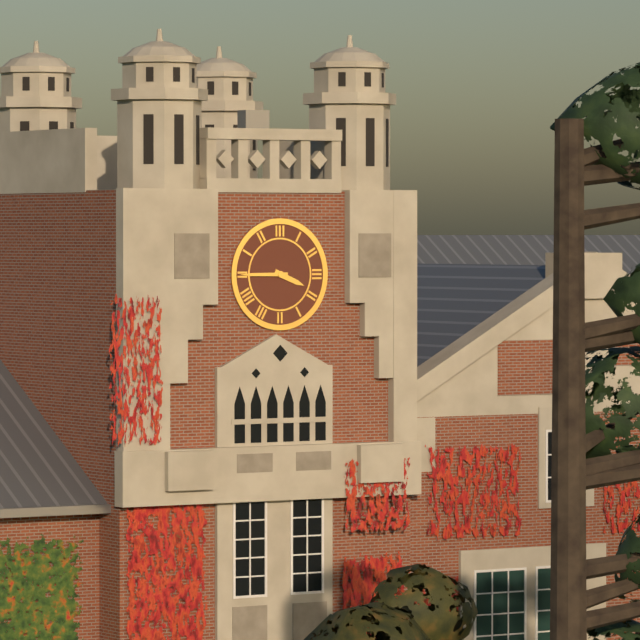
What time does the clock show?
3:45
